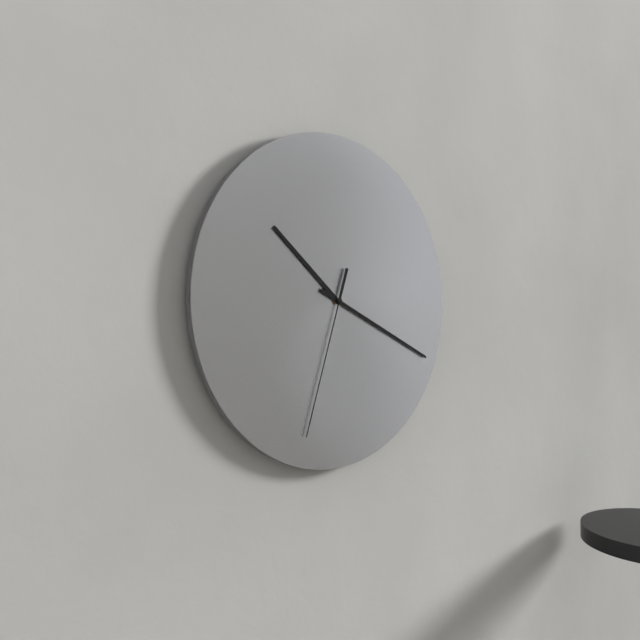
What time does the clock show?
10:19:33
